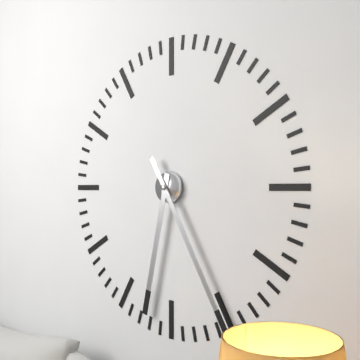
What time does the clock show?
6:25
